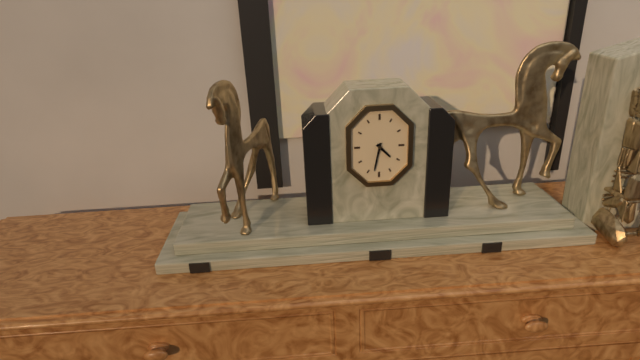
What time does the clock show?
4:32
